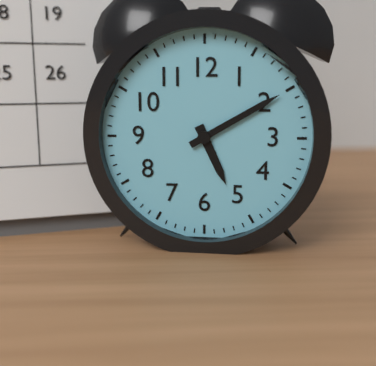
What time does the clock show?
5:10
